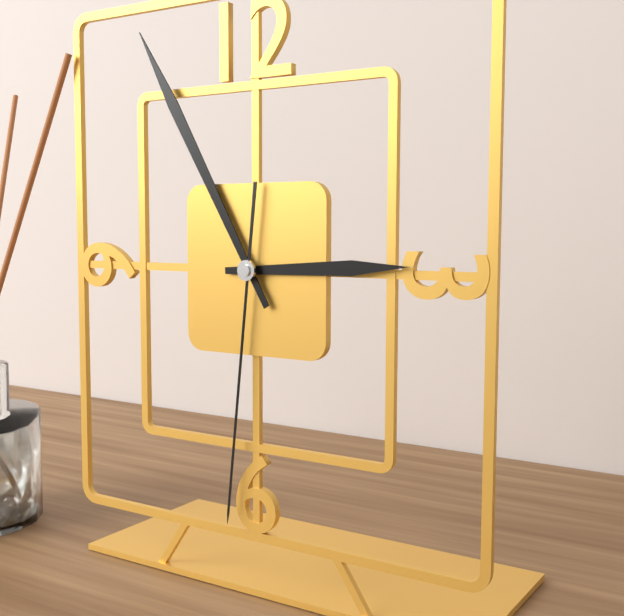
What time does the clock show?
2:55:31
